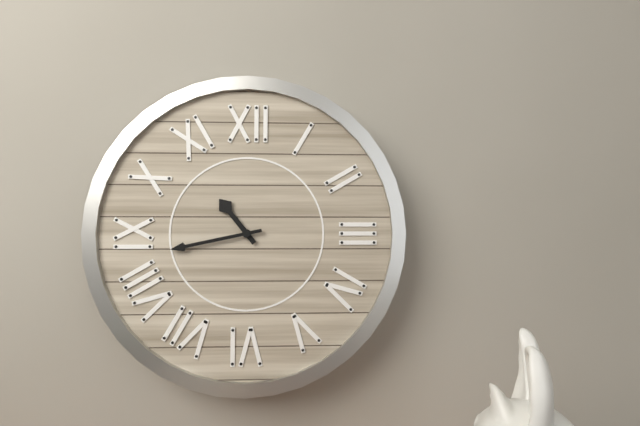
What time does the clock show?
10:43
